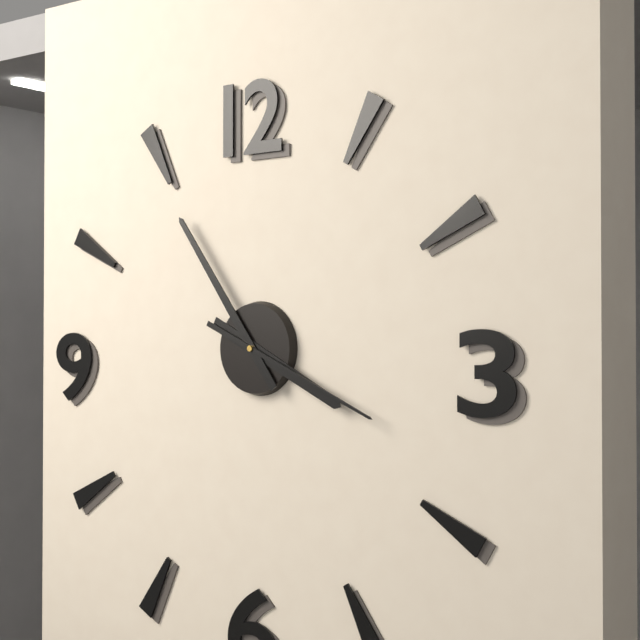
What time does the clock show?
3:54:19
